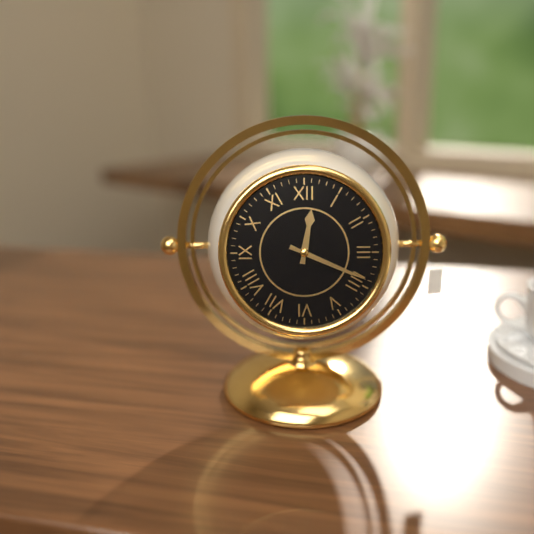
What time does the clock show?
12:19
